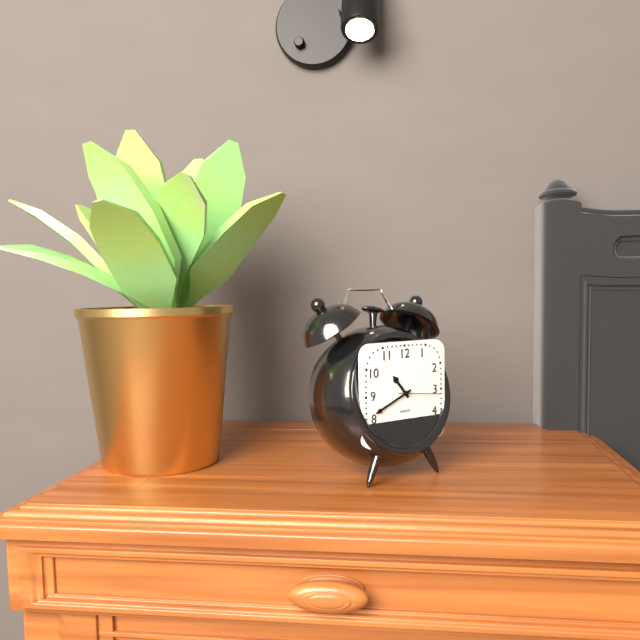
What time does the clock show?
10:41
